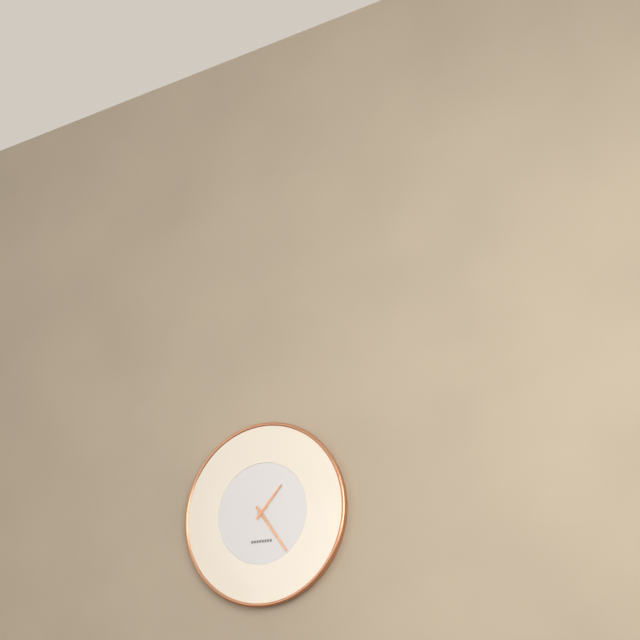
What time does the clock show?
1:24
